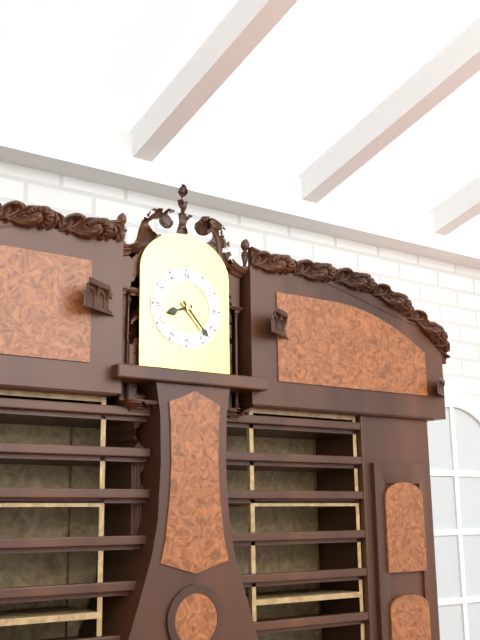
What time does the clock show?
8:23
